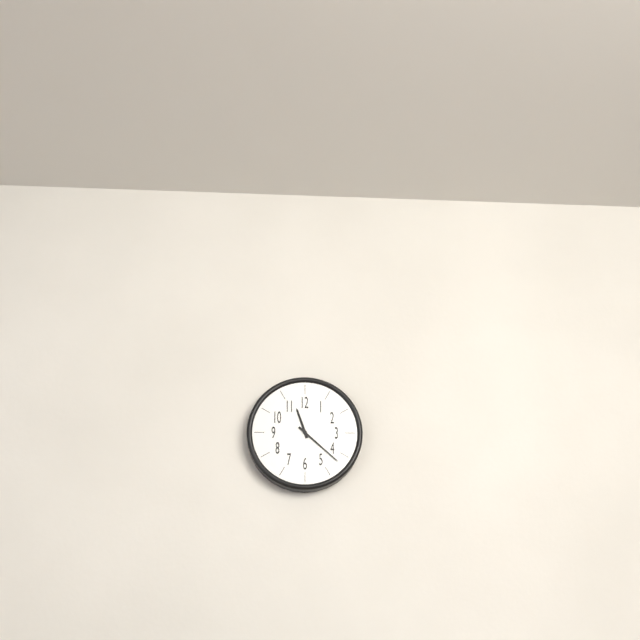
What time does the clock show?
11:22
